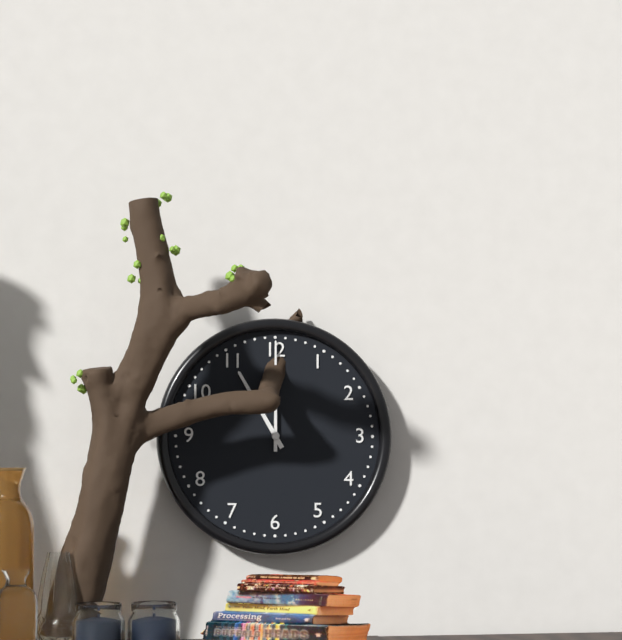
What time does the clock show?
11:00
